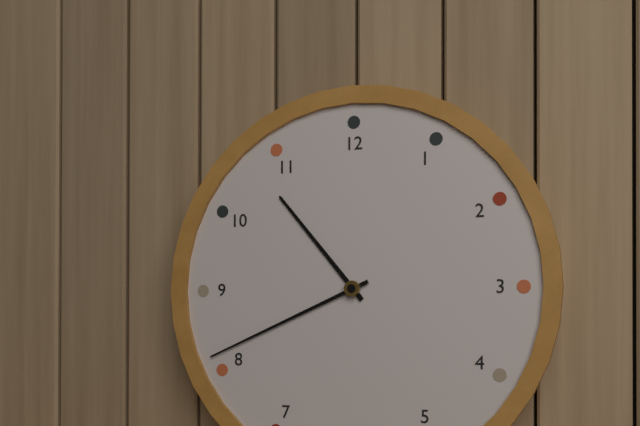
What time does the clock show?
10:41
